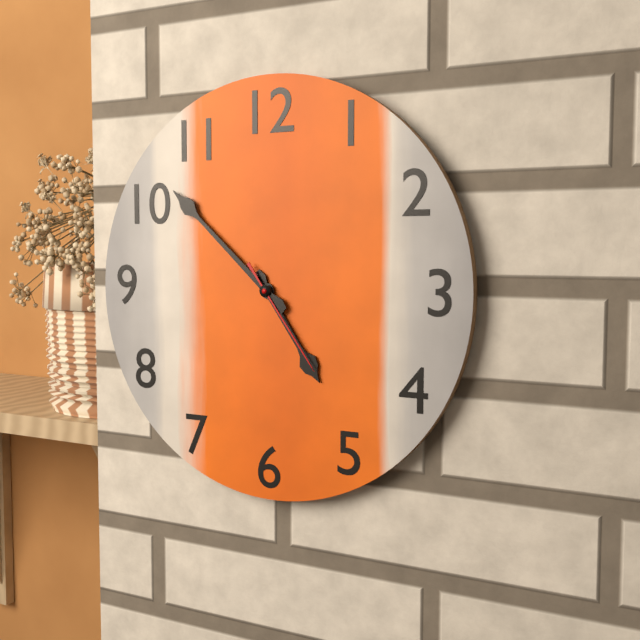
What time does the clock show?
4:52:24
